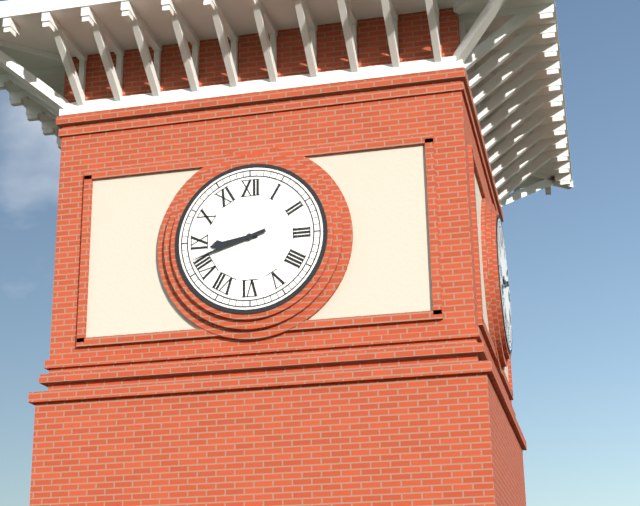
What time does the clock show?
8:42
